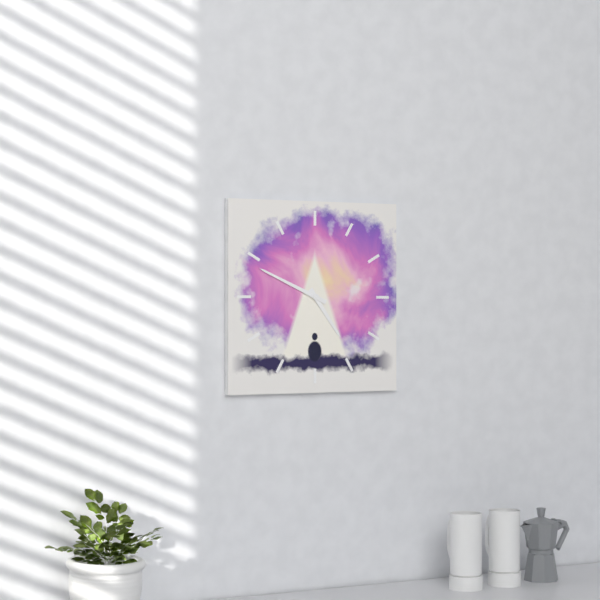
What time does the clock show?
4:49
